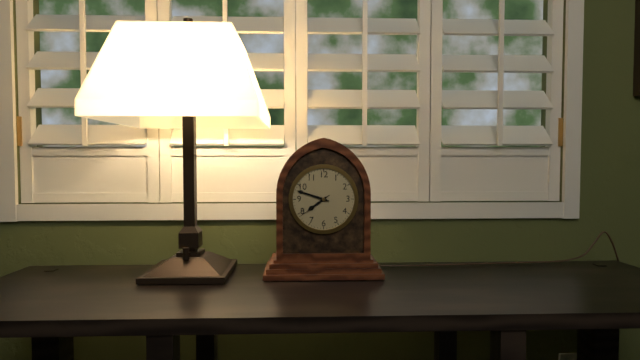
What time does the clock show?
7:48
